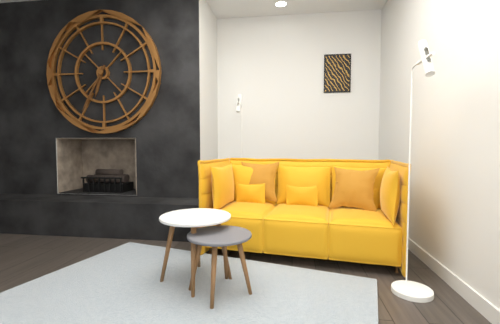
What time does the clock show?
6:35
